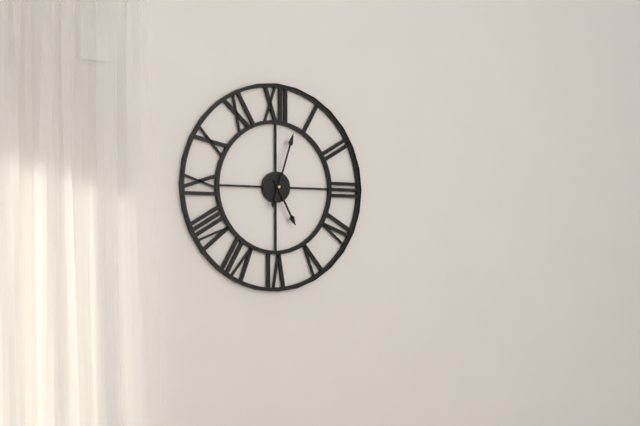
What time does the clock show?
5:03
